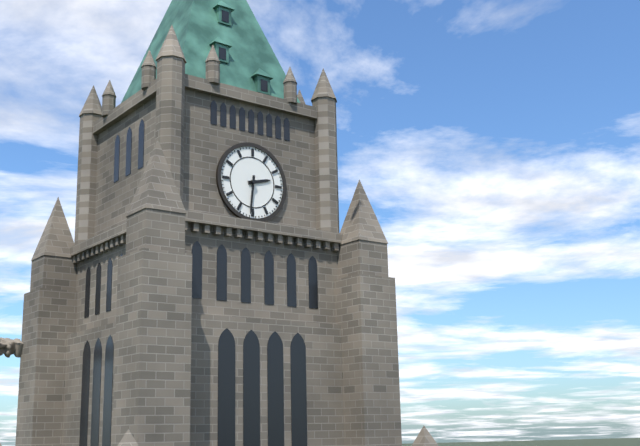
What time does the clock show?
2:31
